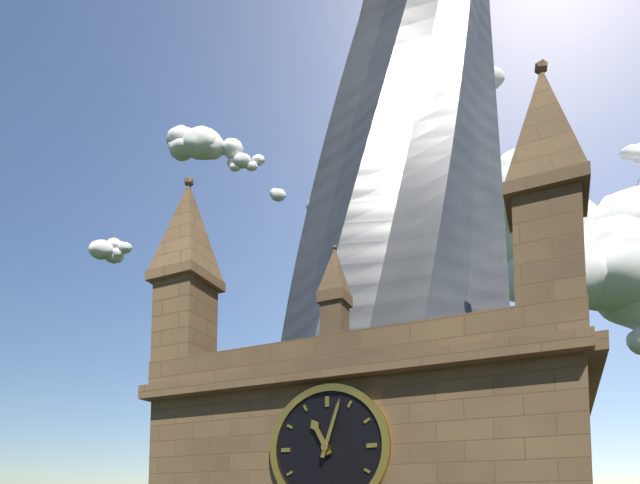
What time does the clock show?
11:03
